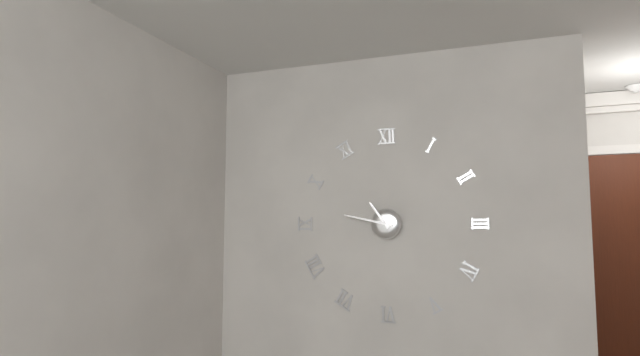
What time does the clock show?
10:47
